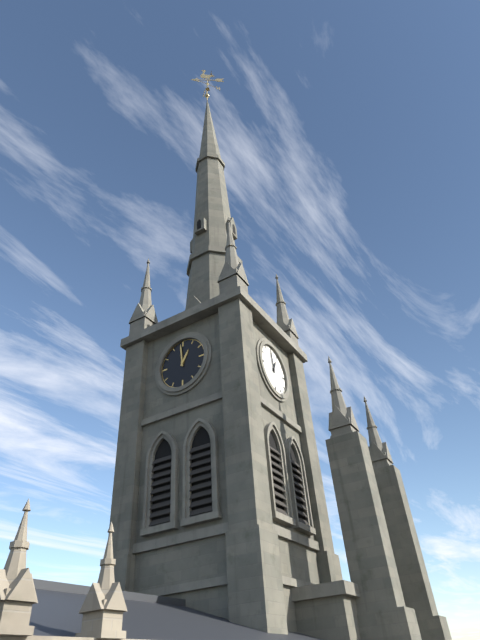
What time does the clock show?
12:59
